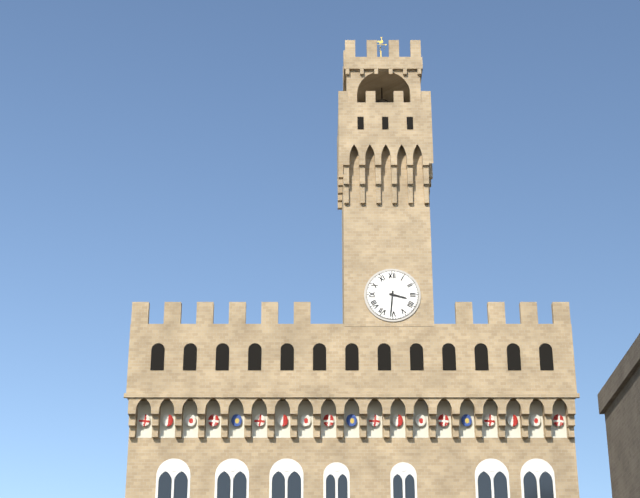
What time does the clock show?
3:31
